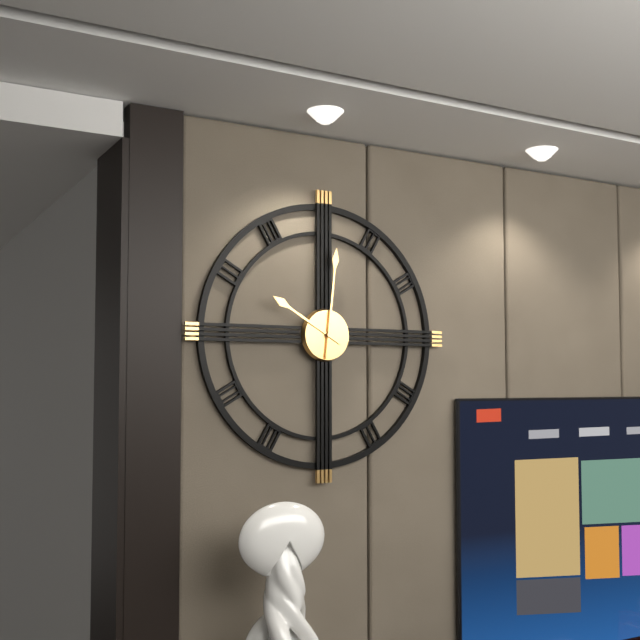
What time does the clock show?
10:01
